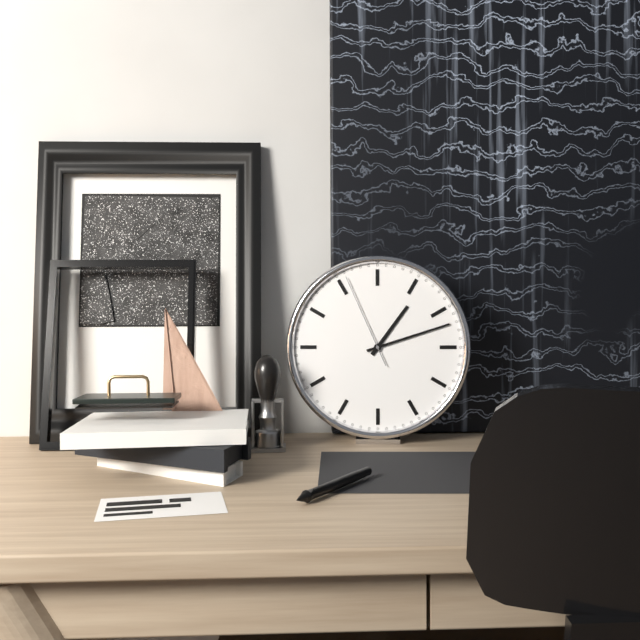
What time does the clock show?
1:12:56
